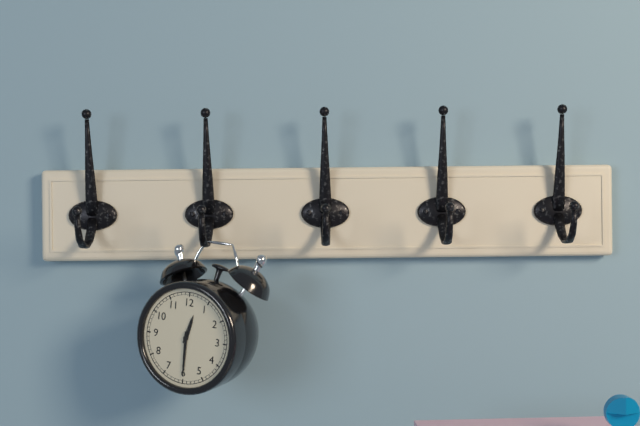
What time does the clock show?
12:30
